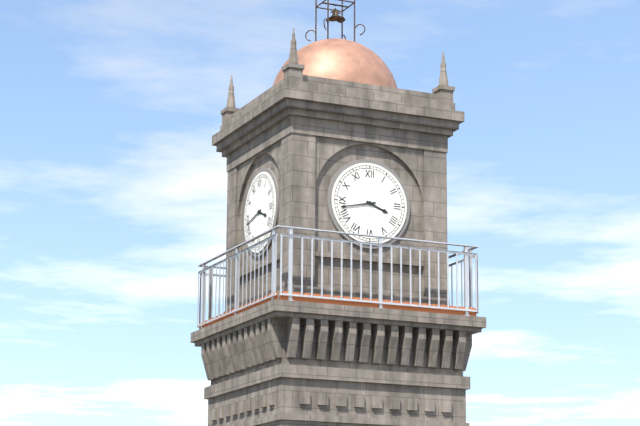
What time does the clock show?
3:43
